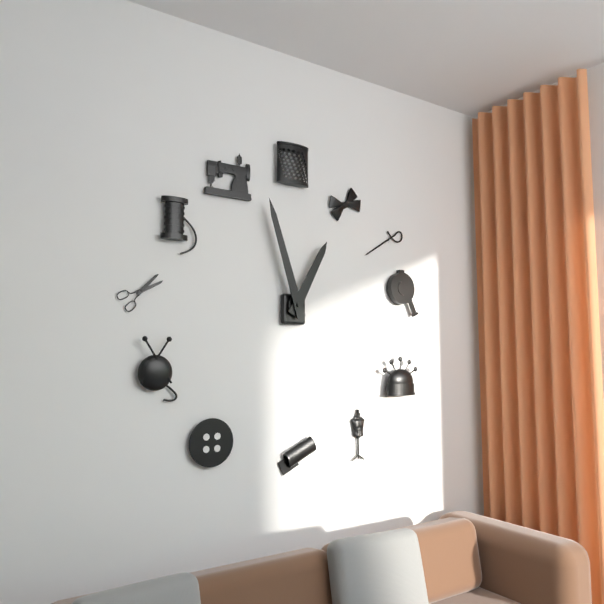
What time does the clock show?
12:57
